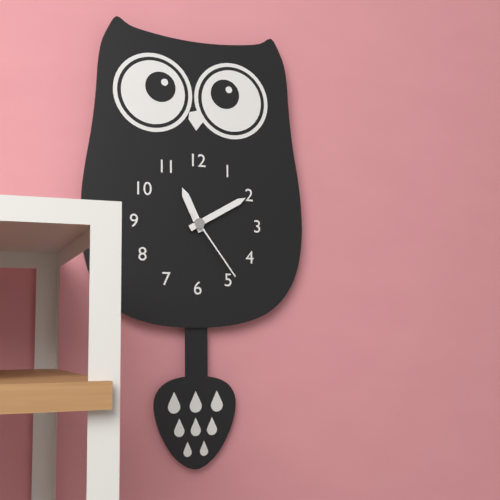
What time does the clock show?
11:10:24
